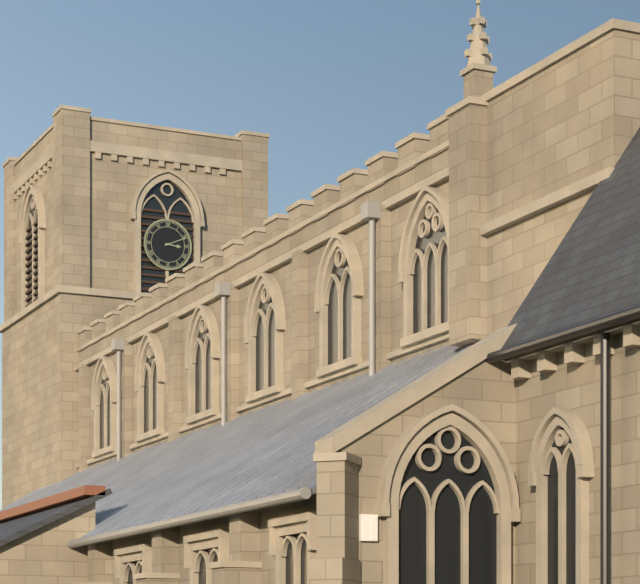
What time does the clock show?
3:11
